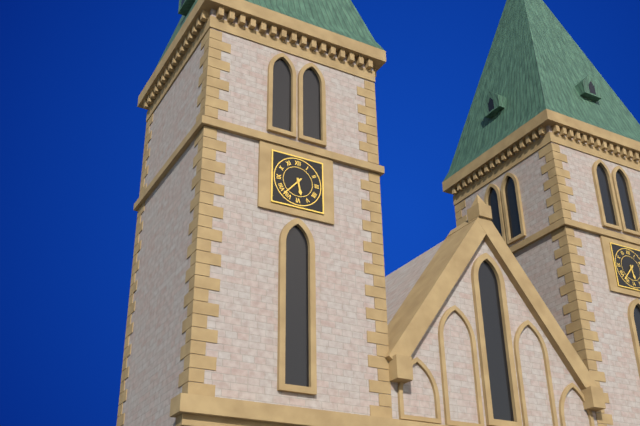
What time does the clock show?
5:37
